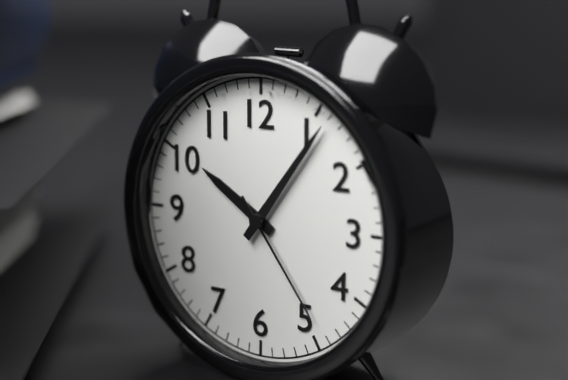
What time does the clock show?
10:06:24
